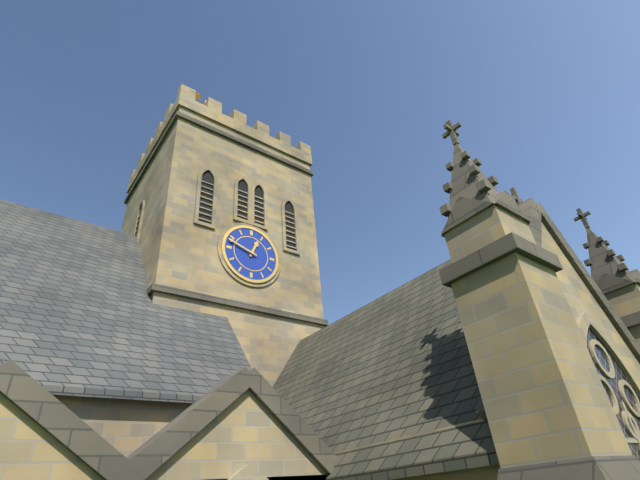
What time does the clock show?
12:48
